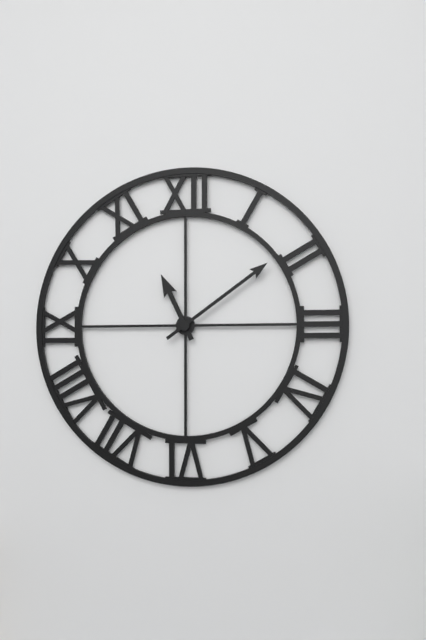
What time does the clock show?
11:09
